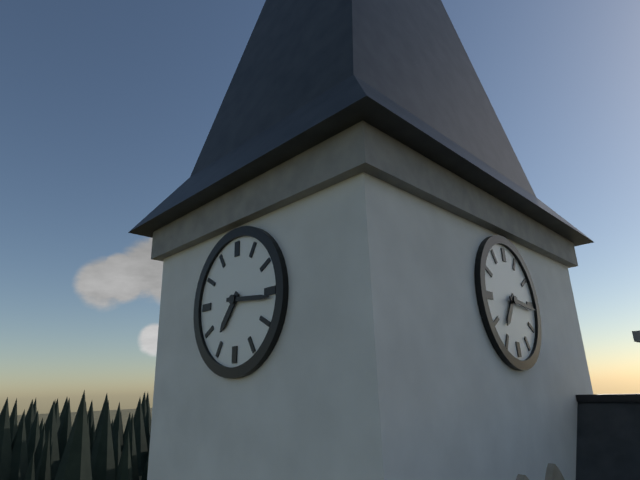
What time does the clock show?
7:16
